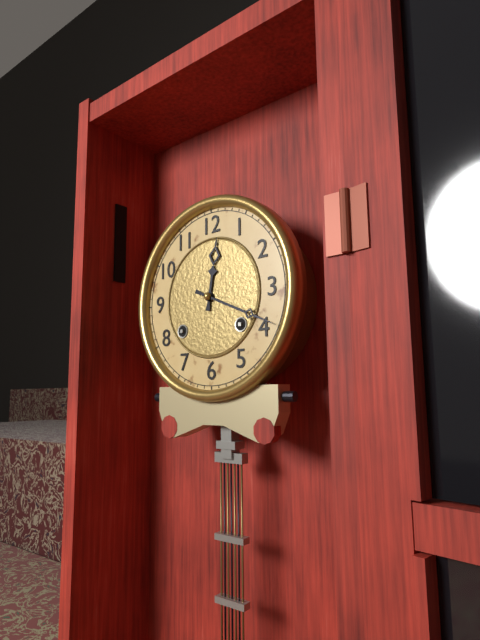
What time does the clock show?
12:19
